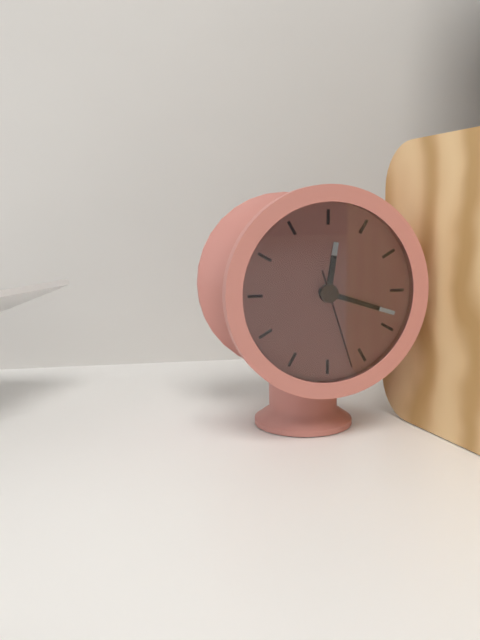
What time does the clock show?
12:18:27
